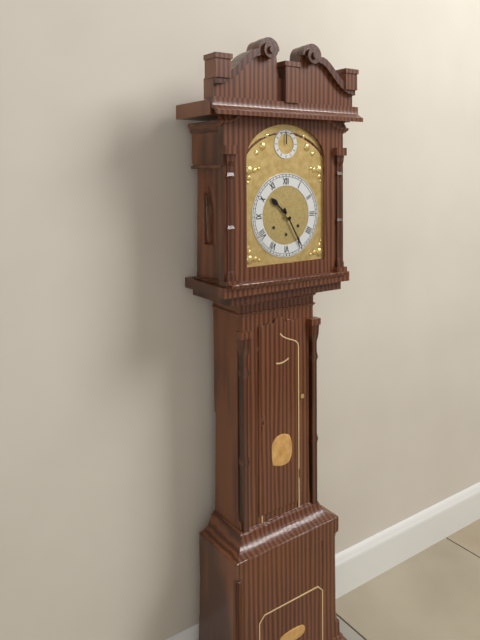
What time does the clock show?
10:25
